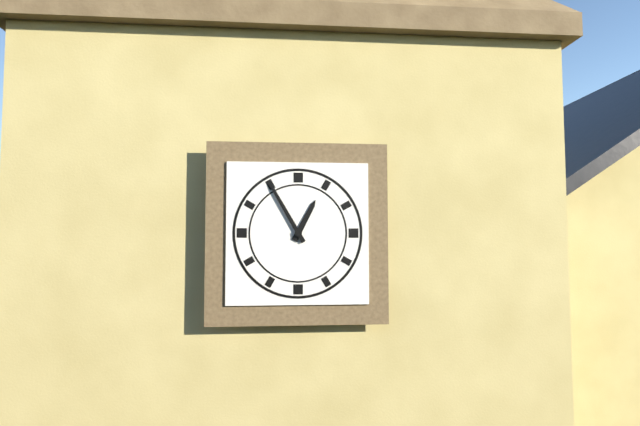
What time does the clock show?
12:55
